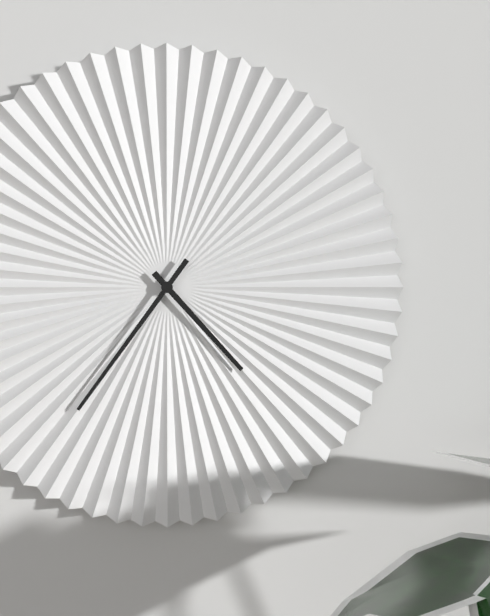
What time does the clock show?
4:36
